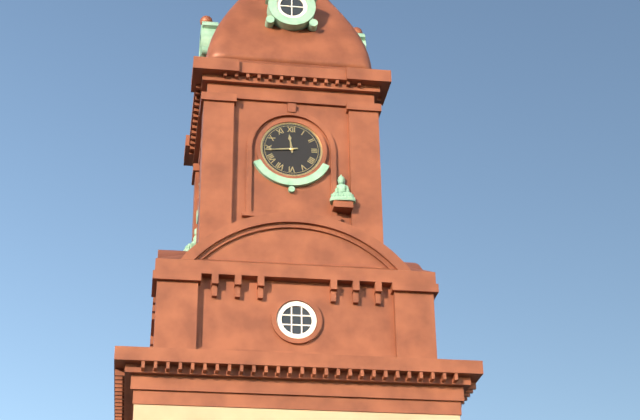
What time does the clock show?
11:44
